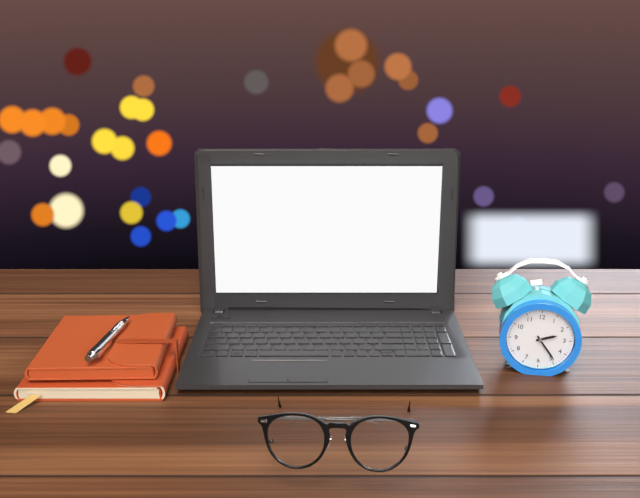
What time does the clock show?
2:24
